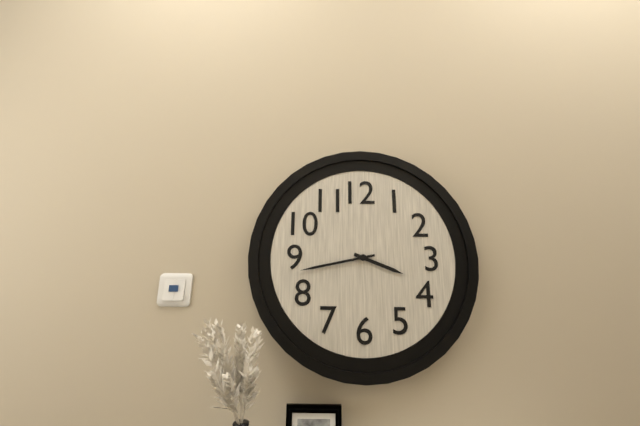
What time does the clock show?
3:43
